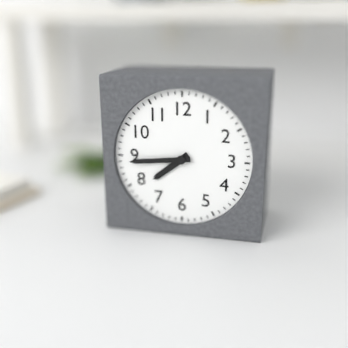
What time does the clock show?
7:44
